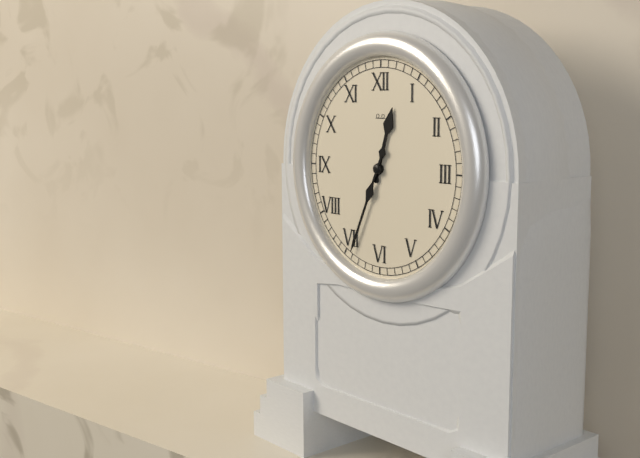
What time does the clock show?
12:34
